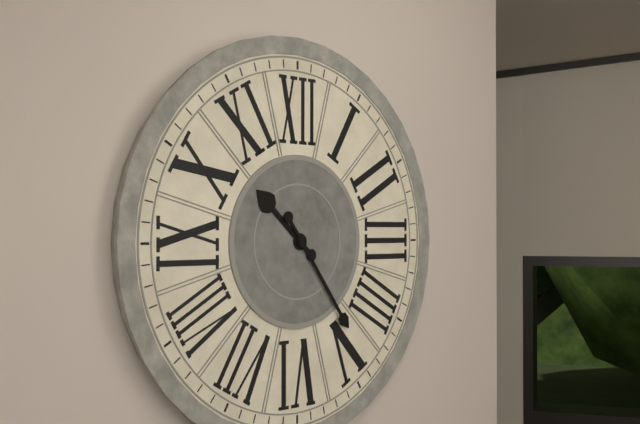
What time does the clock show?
10:24
